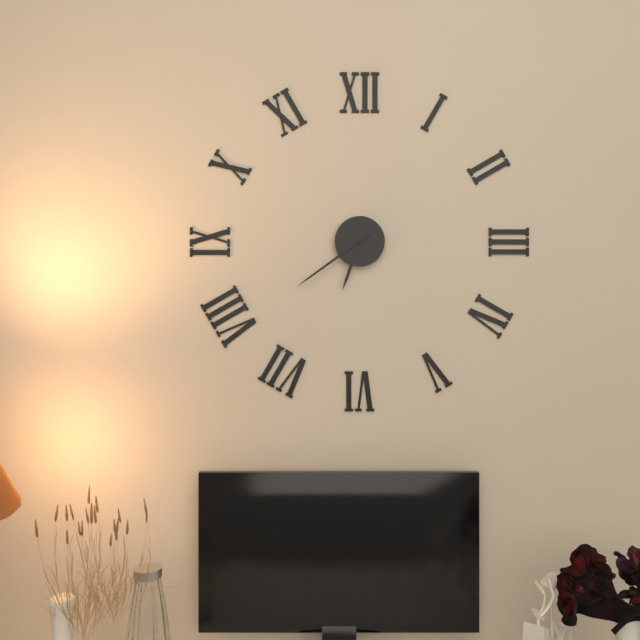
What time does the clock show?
6:39
